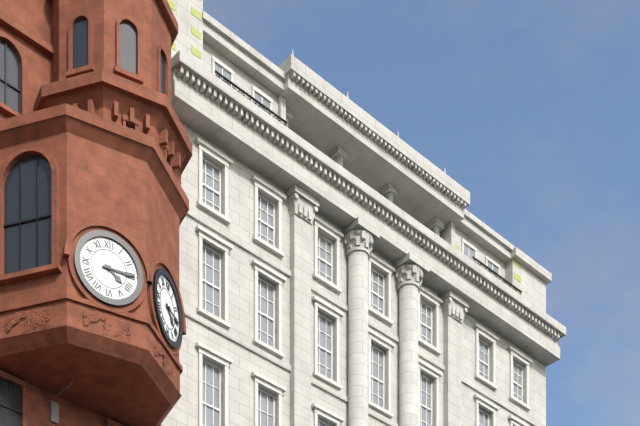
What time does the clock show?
4:15
